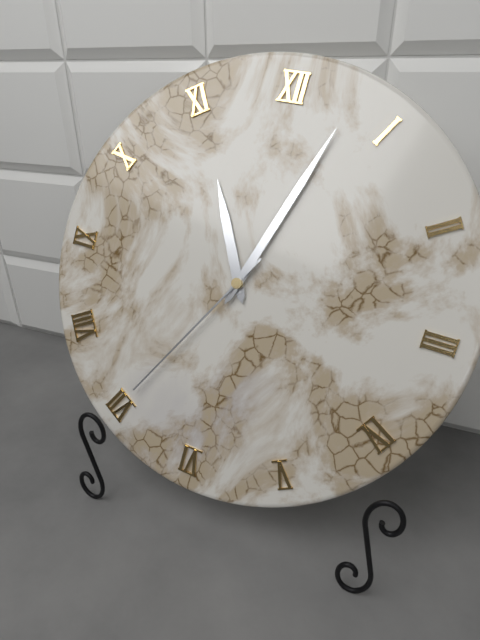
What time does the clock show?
11:03:35
